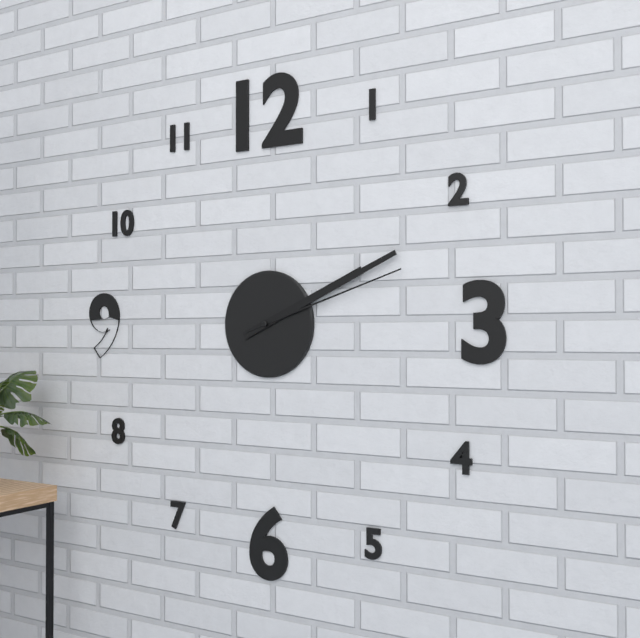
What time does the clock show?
2:11:12
